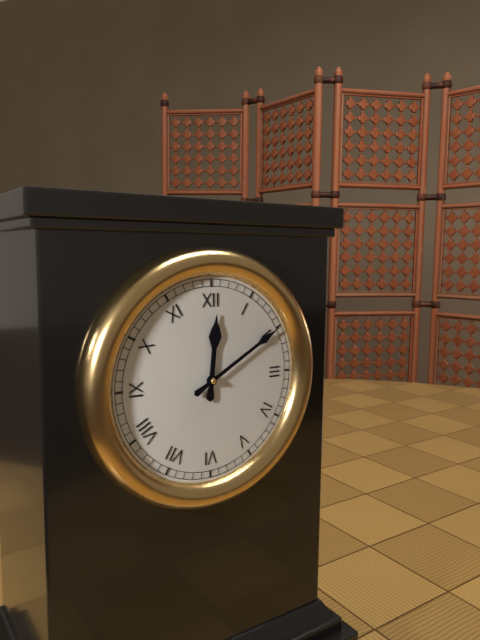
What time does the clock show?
12:10
